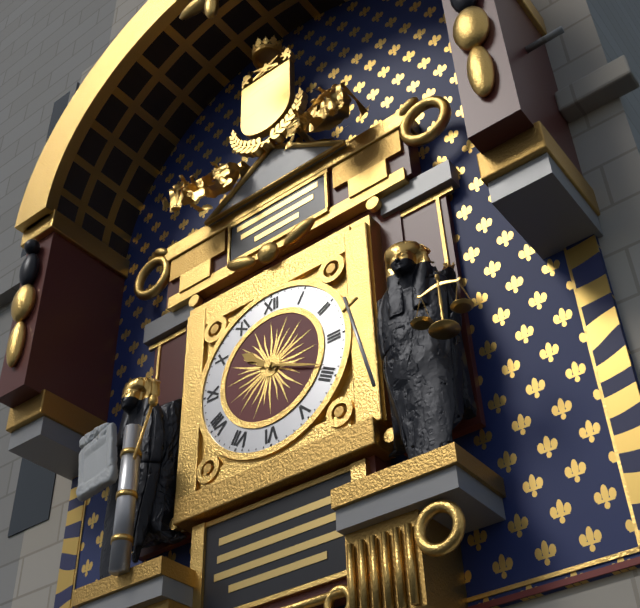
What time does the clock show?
10:19
